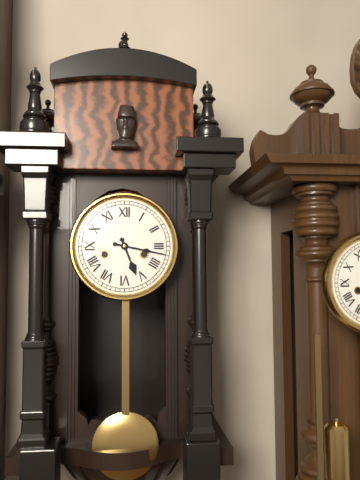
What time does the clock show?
5:17
